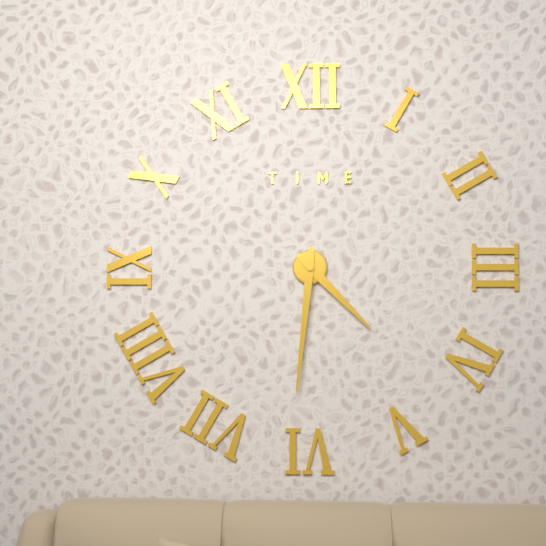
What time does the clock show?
4:31
